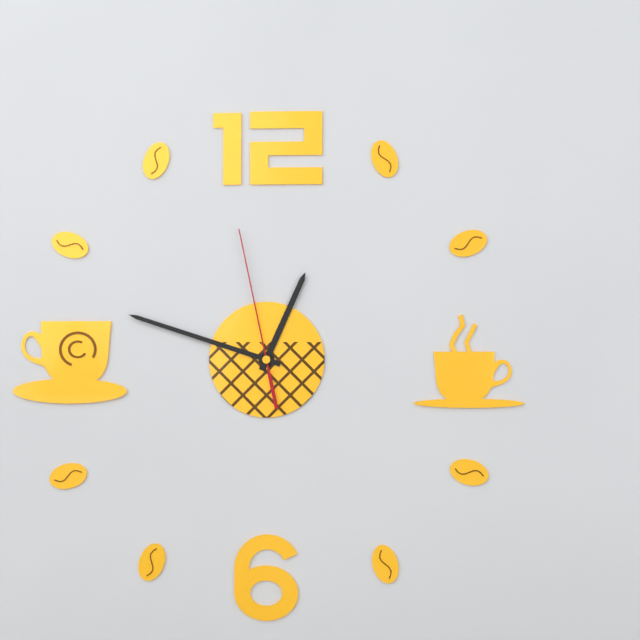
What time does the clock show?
12:48:58
